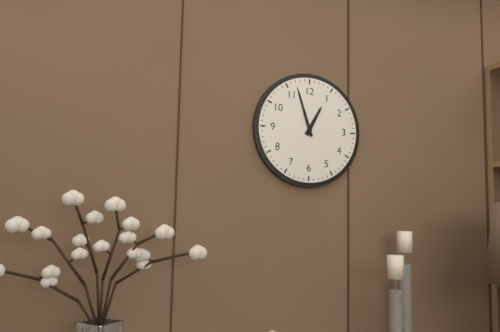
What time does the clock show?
12:57
